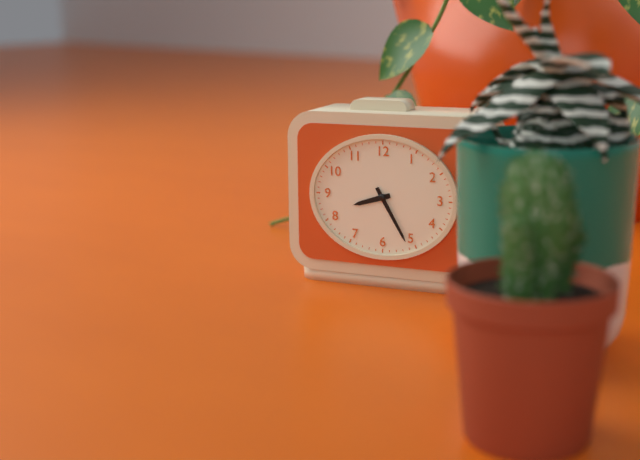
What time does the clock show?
8:25
